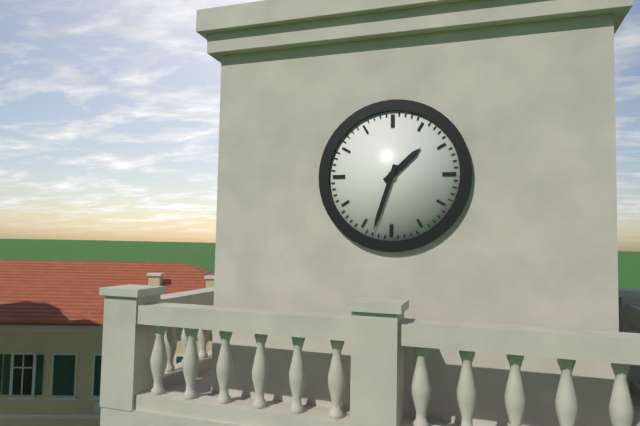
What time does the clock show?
1:33
